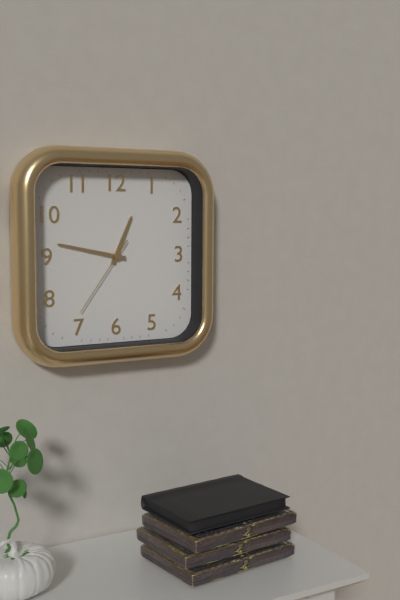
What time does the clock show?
12:47:36
